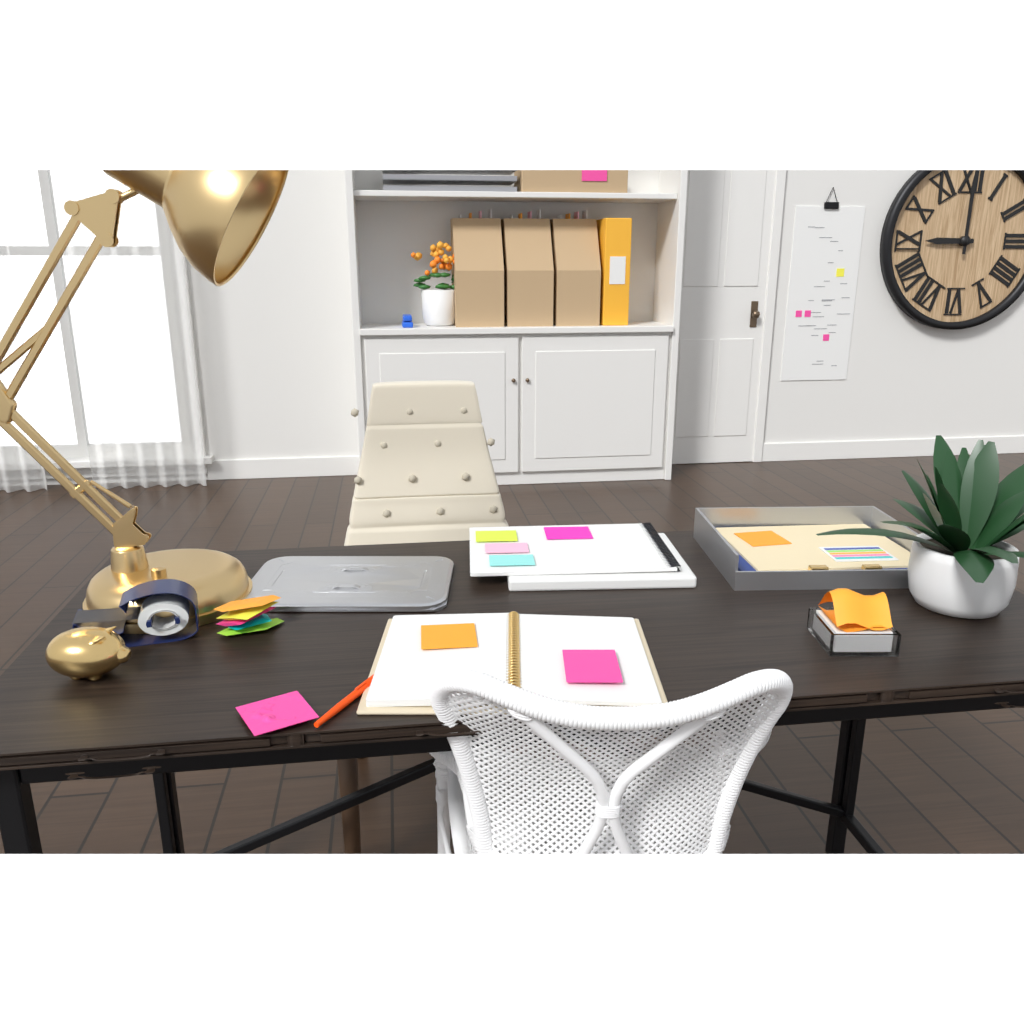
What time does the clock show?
9:00
